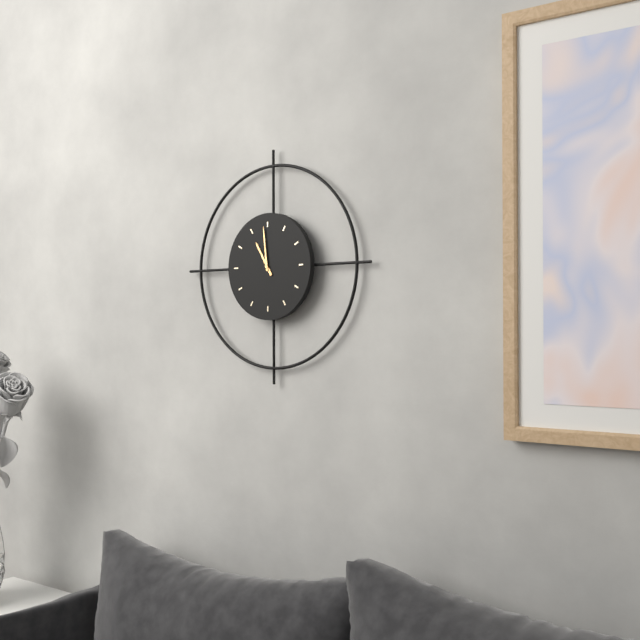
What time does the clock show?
10:59
